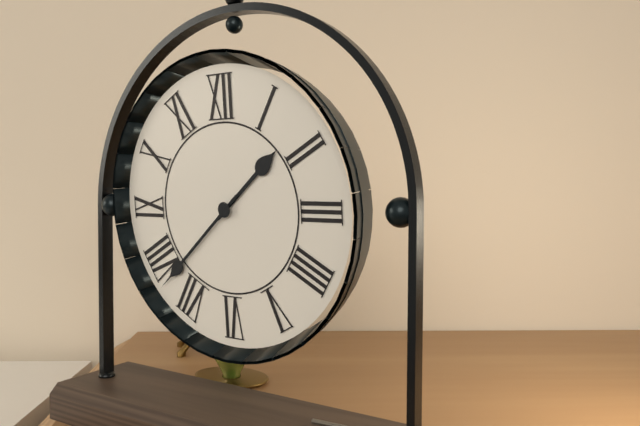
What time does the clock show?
1:38
